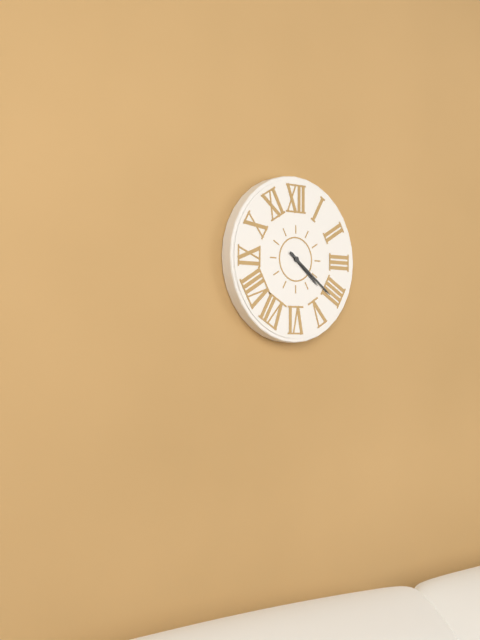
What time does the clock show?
4:21
